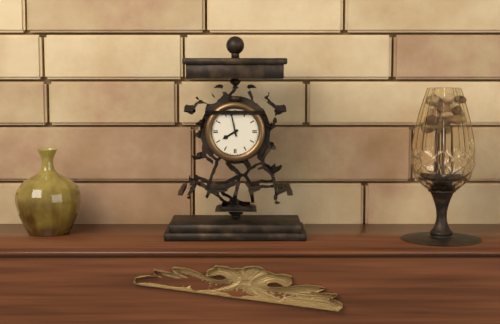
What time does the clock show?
7:58
